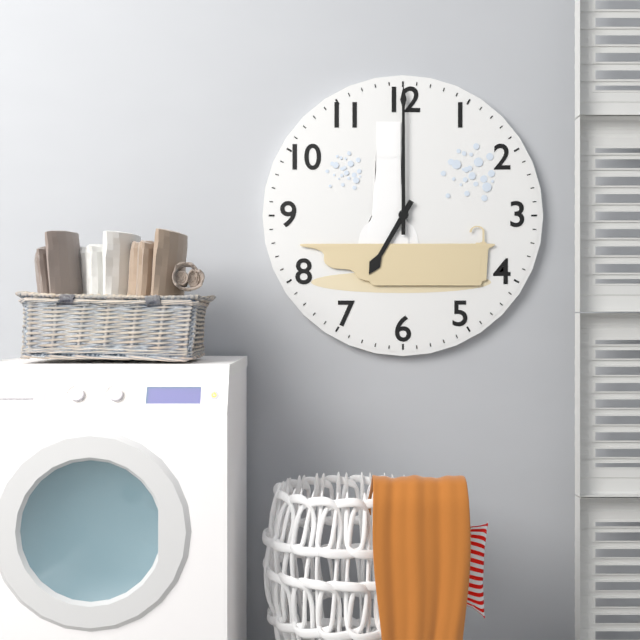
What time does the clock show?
7:00
